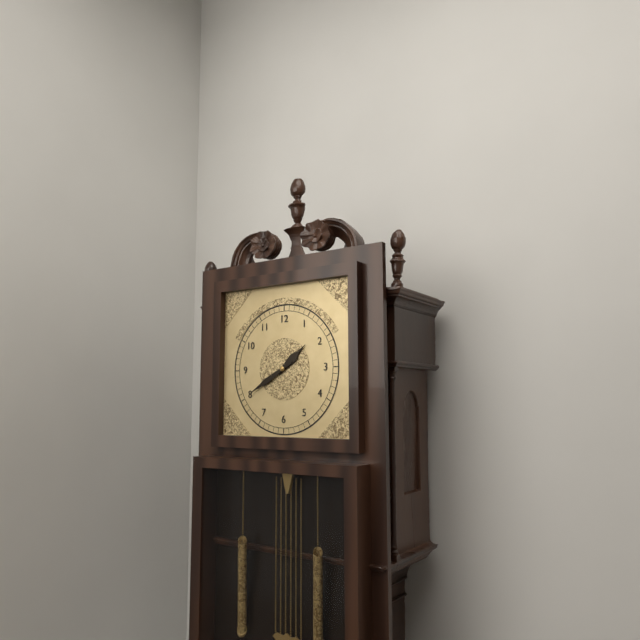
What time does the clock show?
1:40
